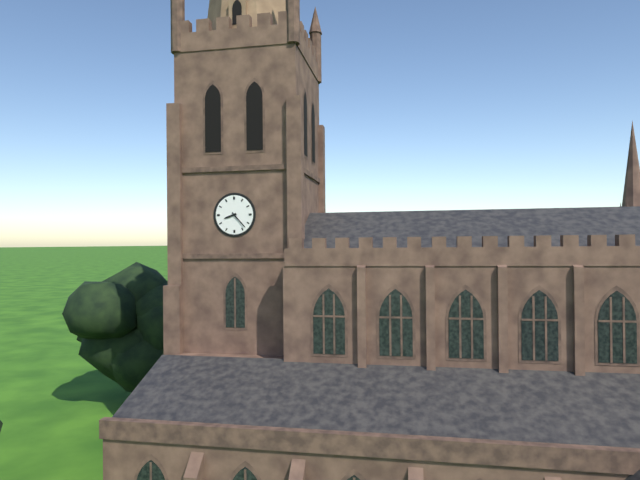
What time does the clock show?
8:23
